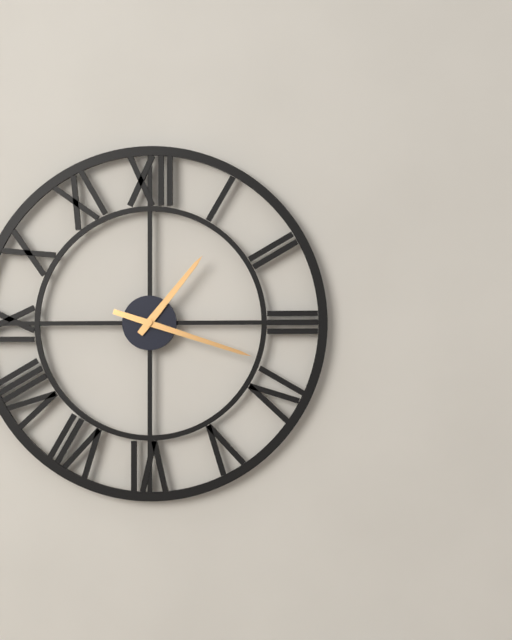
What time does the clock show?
1:18
